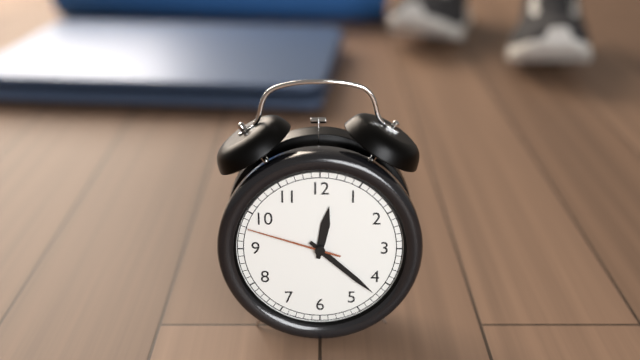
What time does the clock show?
12:22:48
